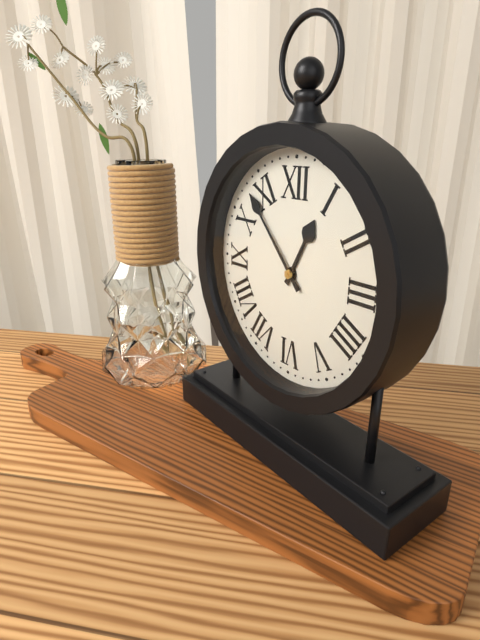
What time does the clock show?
12:53
